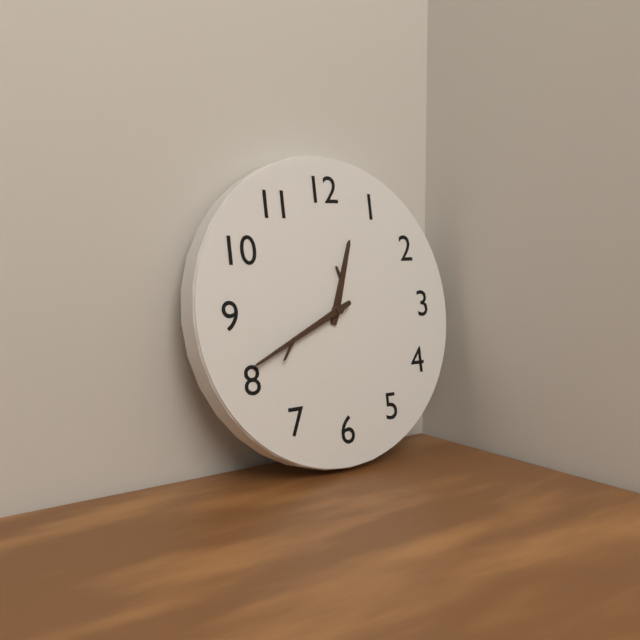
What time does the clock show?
12:41
